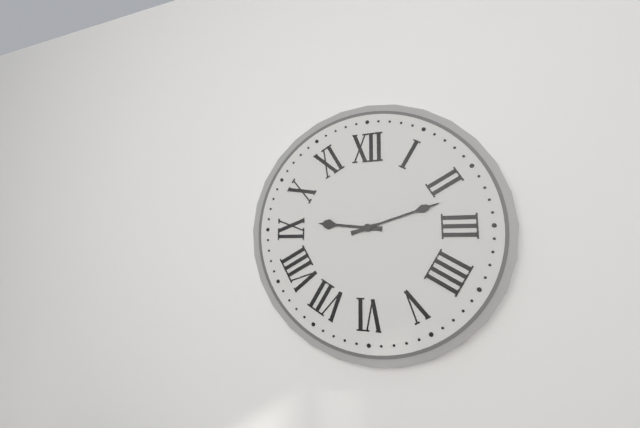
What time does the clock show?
9:12
